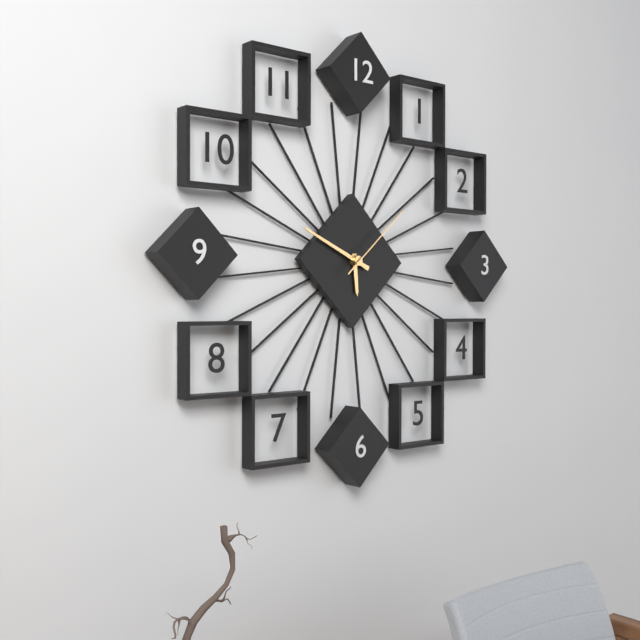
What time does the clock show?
5:49:08
